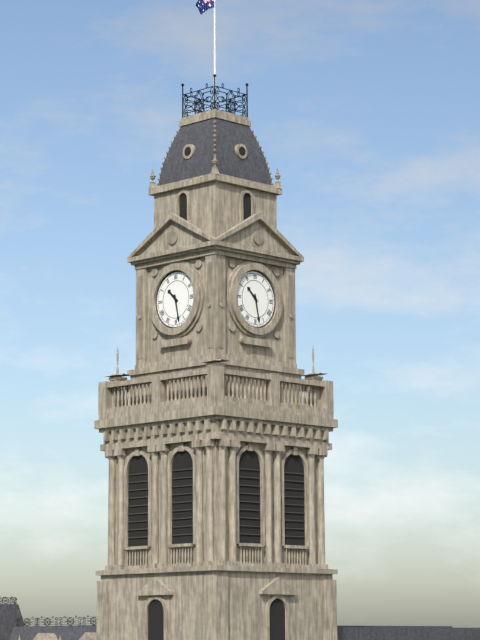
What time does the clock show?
10:28
